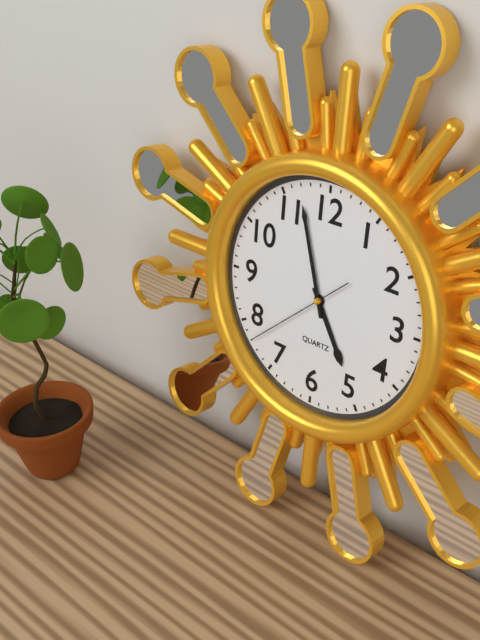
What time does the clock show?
4:57:38
